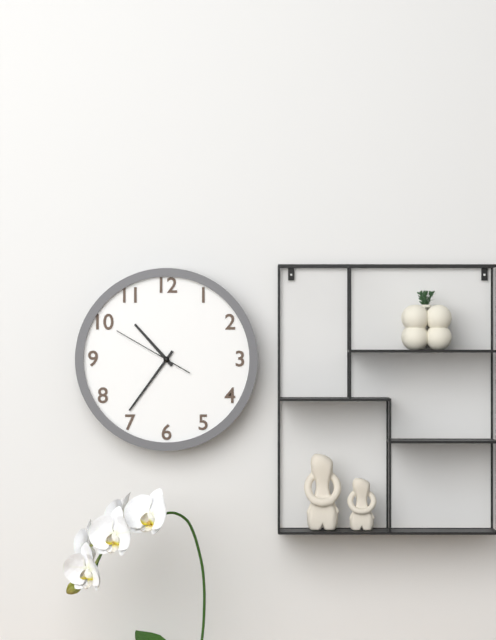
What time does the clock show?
10:36:50
